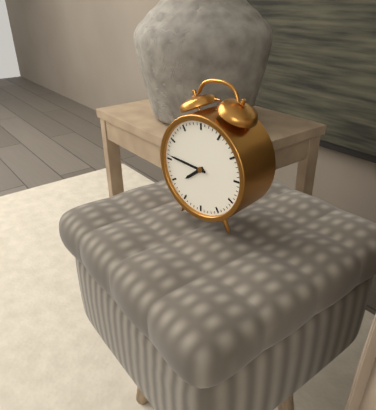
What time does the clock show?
7:46
